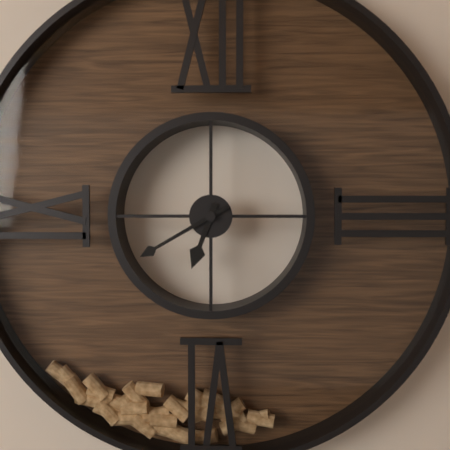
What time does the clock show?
6:40
